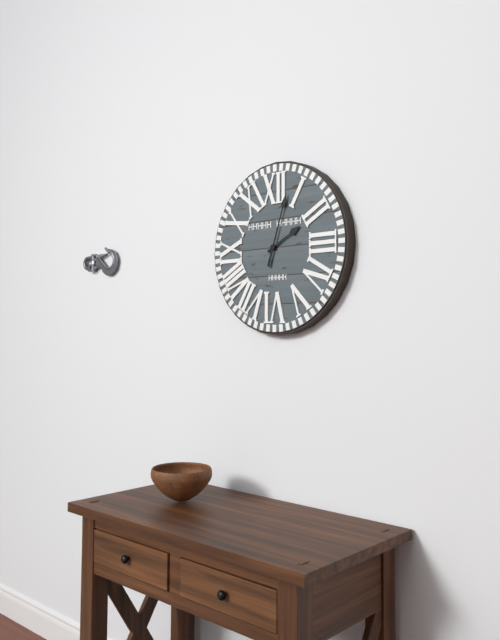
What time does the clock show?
2:03
